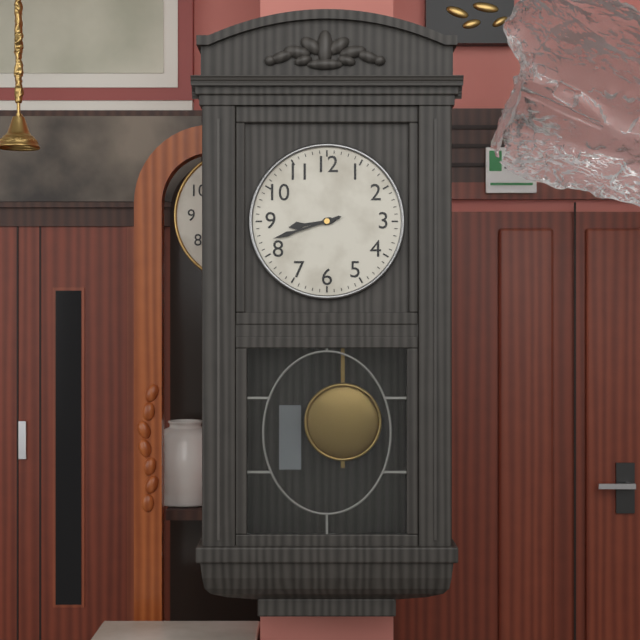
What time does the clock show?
8:42
